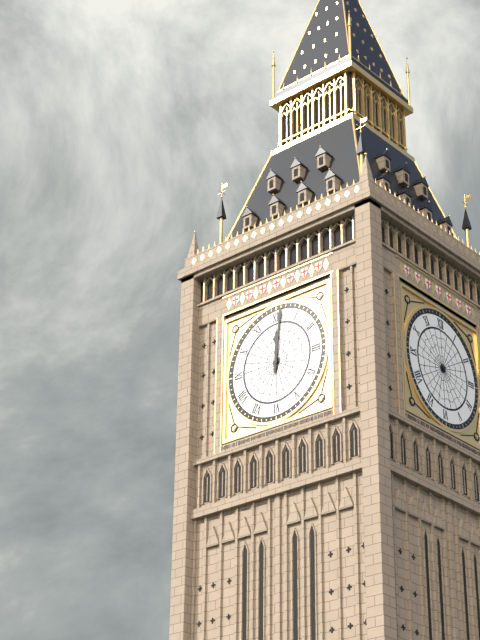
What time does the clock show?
12:01
